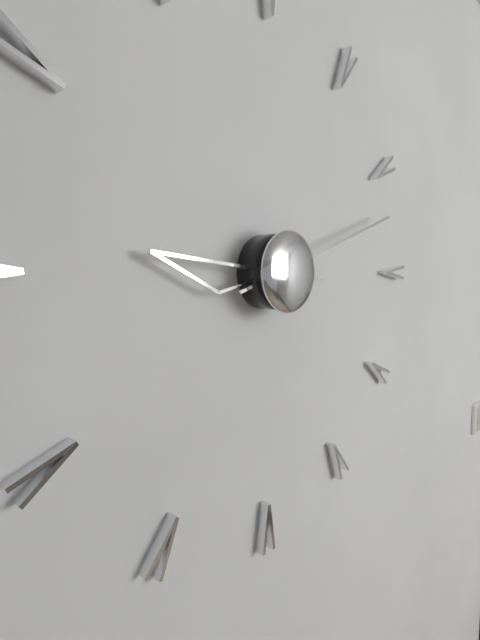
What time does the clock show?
9:12
